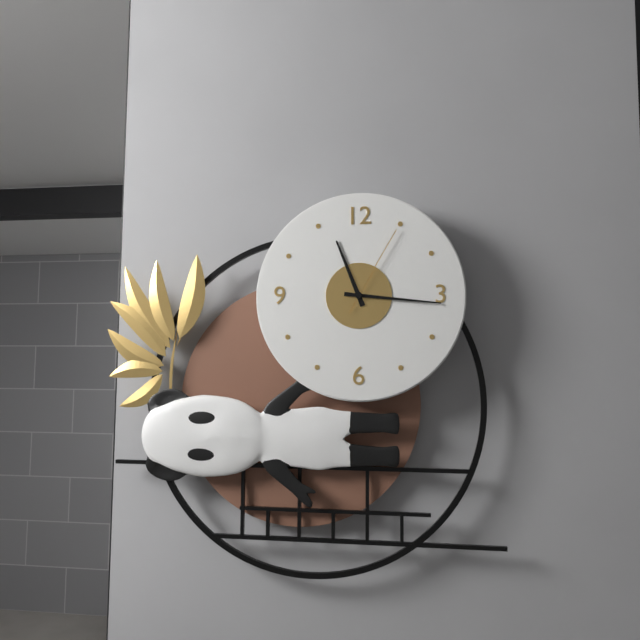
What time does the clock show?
11:16:05
